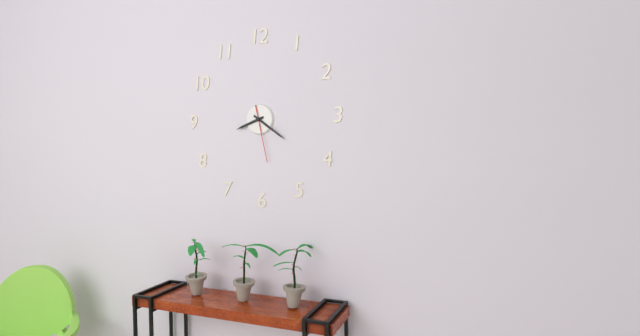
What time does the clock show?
8:21:28
